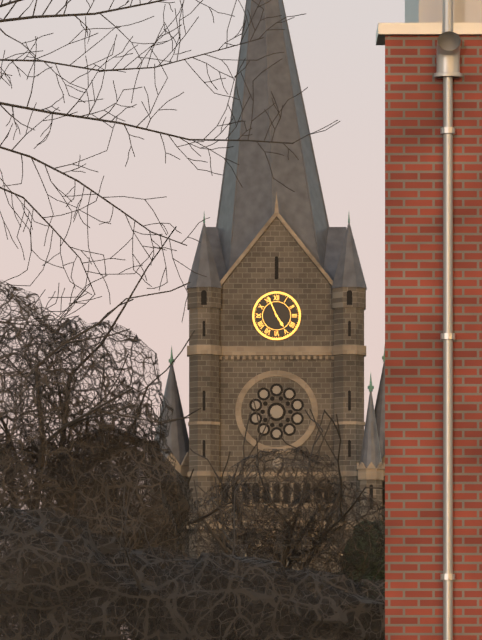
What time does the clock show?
4:56
